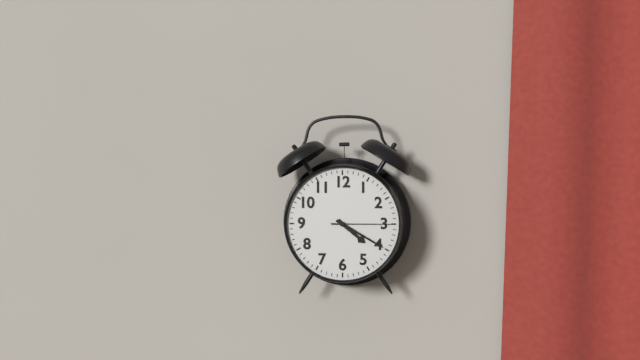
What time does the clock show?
4:20:15
